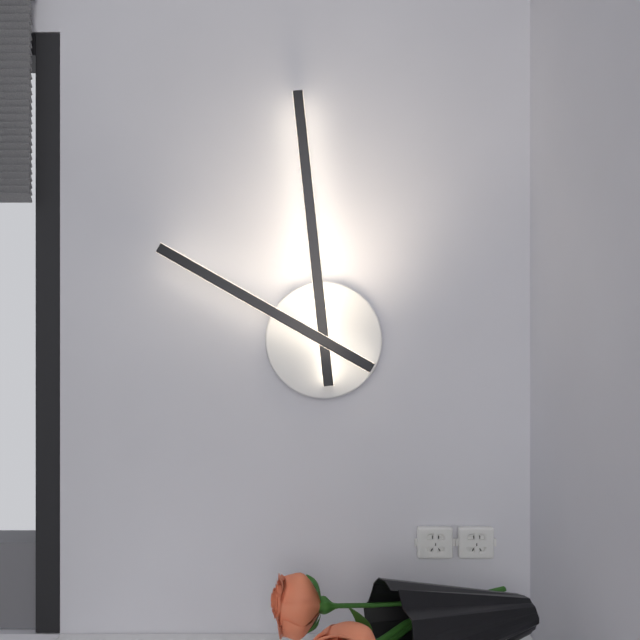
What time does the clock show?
9:59
